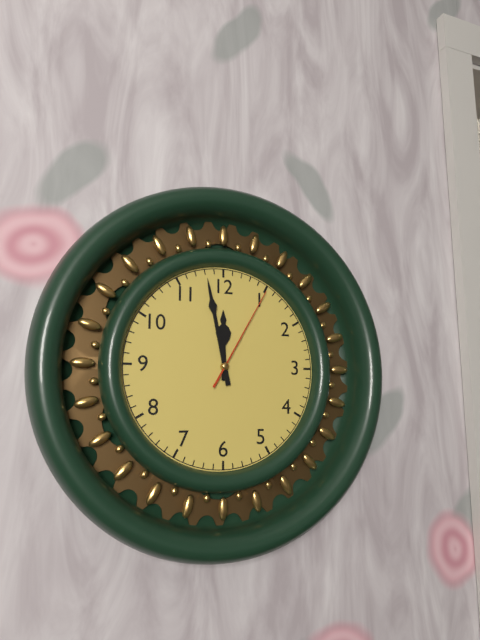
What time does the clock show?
11:58:05
